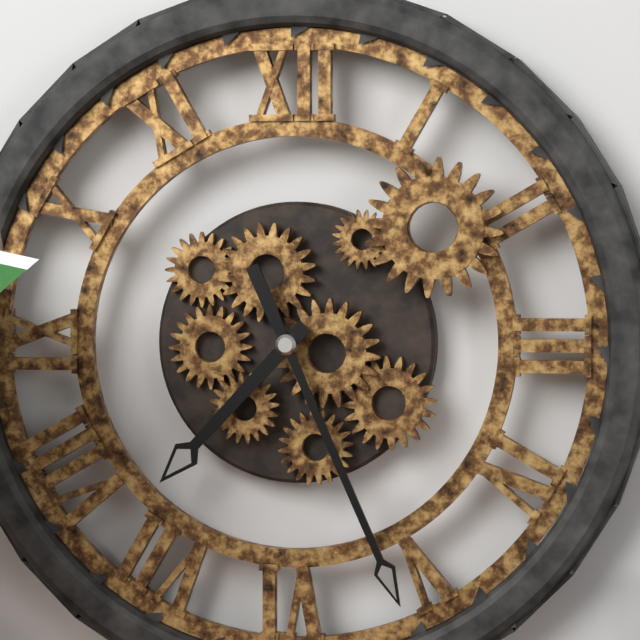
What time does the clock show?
7:26
